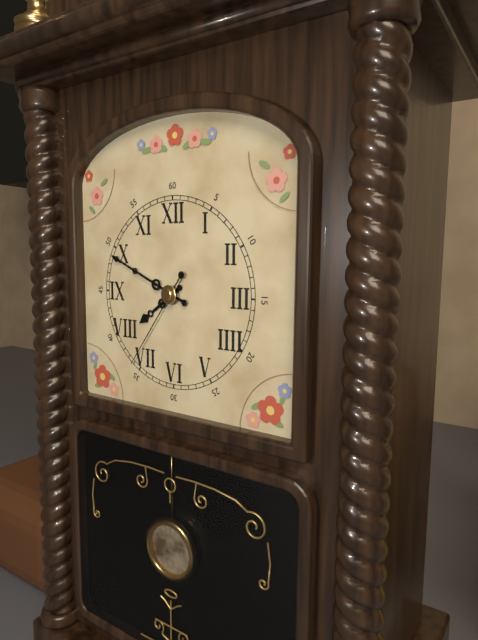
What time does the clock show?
7:49:36
